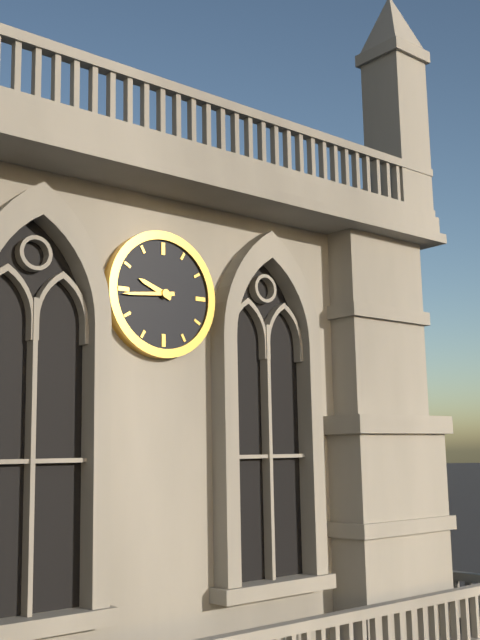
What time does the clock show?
9:44
